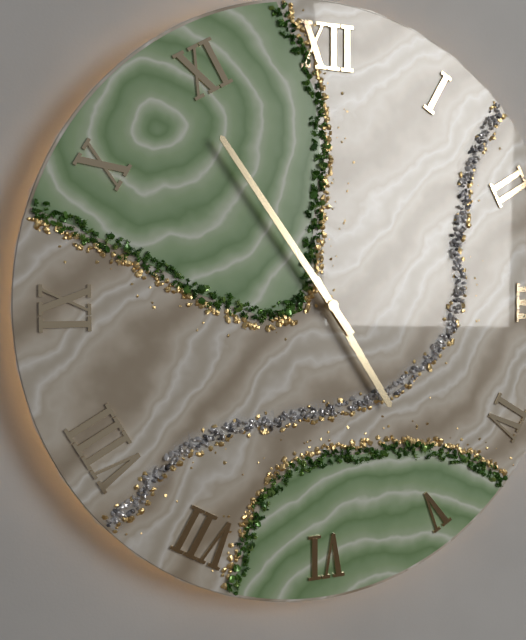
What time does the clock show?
4:54
